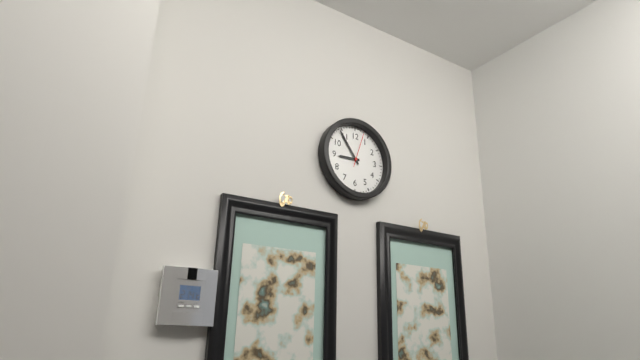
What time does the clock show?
8:54
